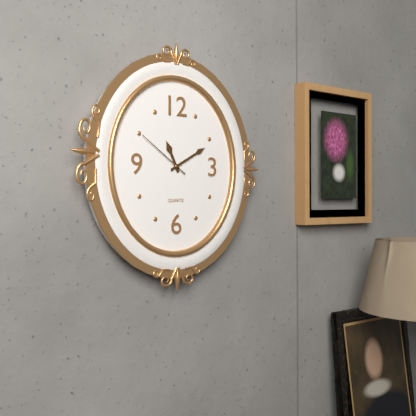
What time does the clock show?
11:10:51
